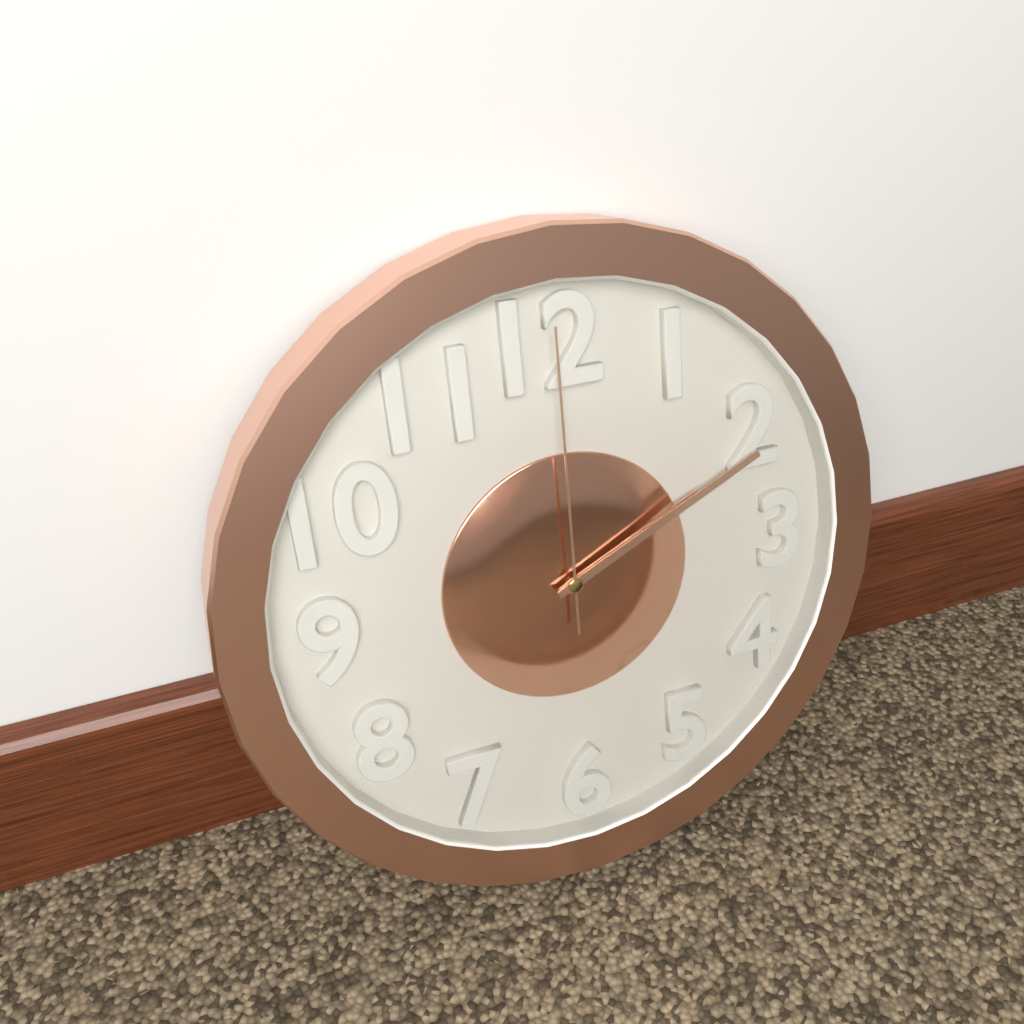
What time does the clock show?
2:11:00
